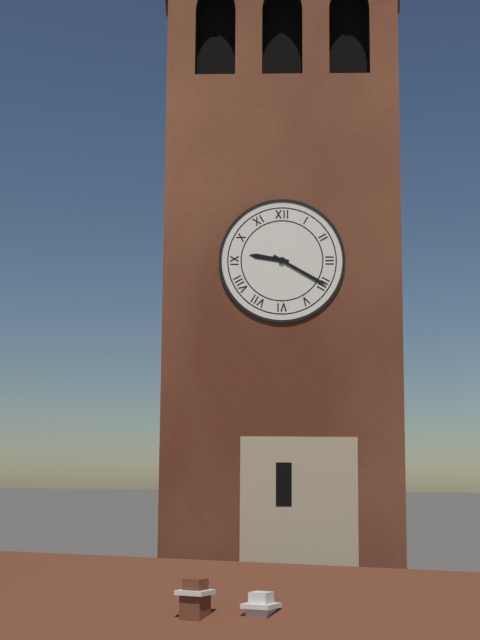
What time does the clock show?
9:20
